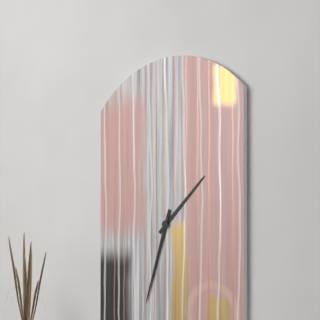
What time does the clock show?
1:33
